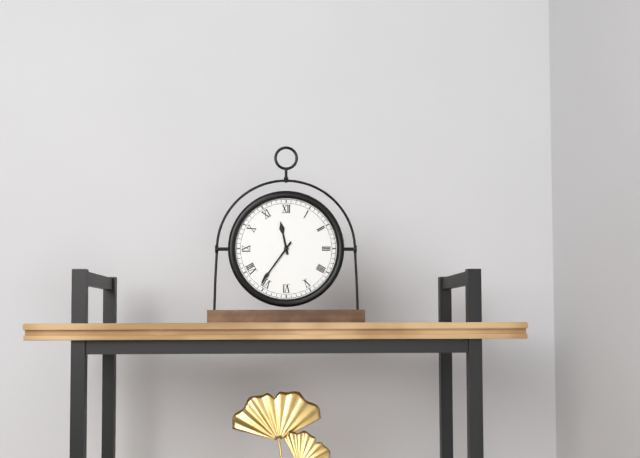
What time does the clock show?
11:36
